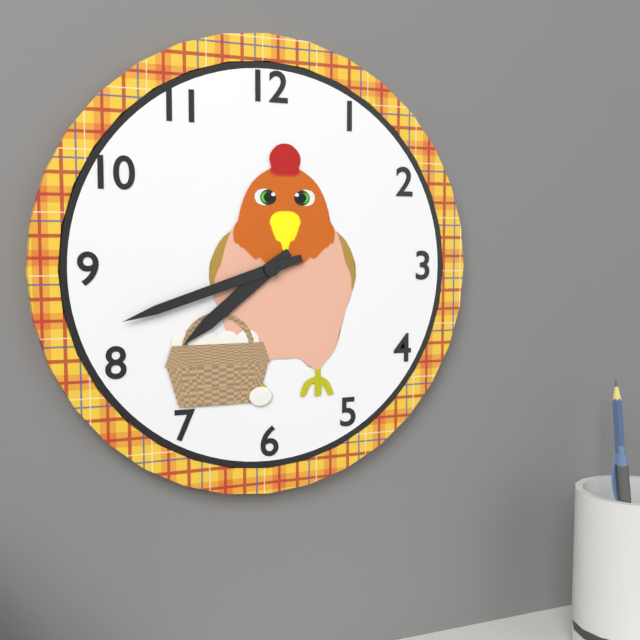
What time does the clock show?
7:42
